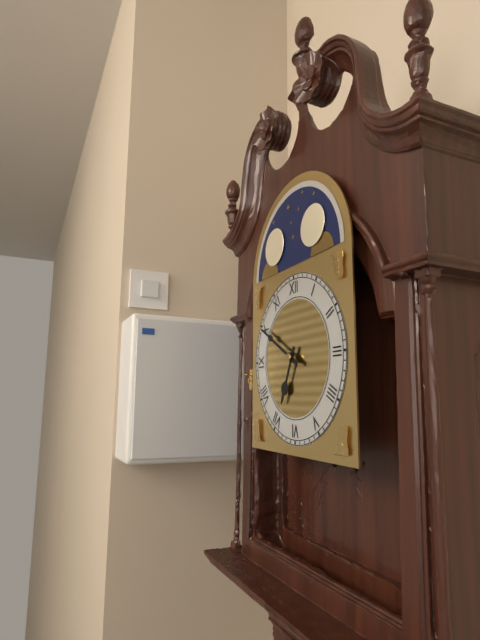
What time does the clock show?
6:50
